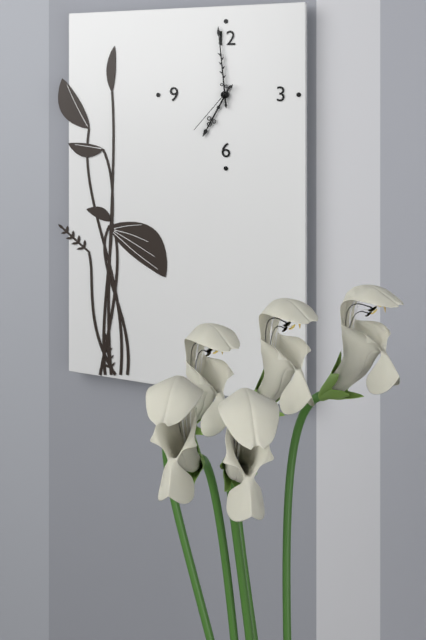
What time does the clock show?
6:59:37
